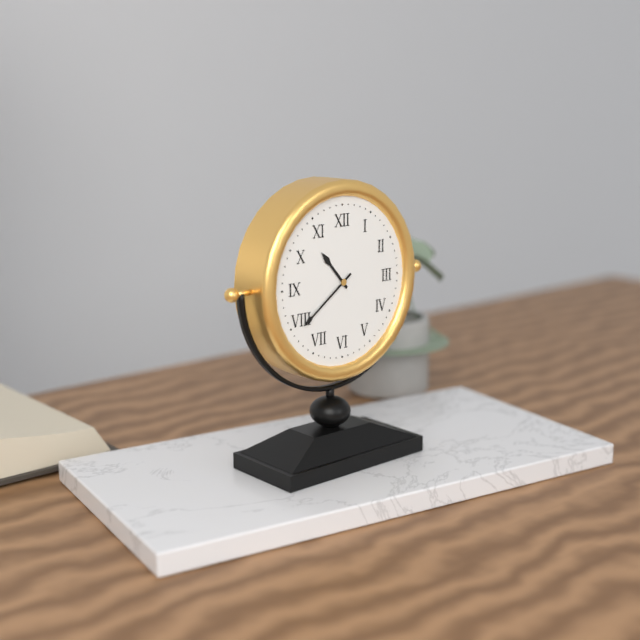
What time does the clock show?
10:39
